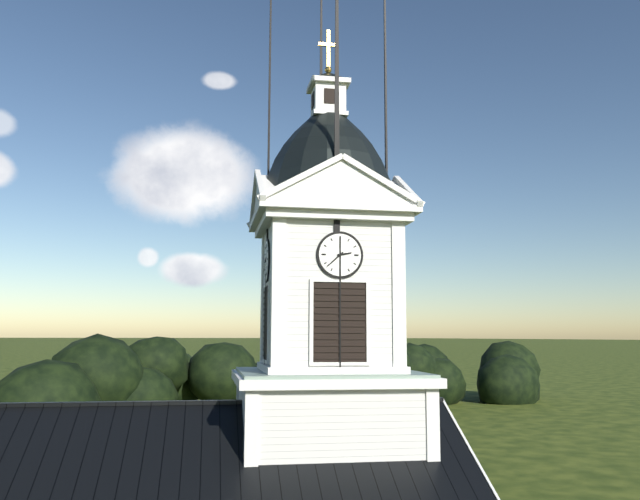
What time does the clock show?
2:38
